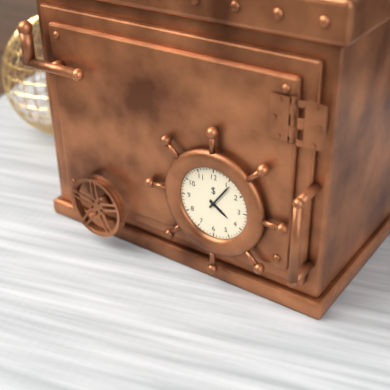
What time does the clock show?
4:06
